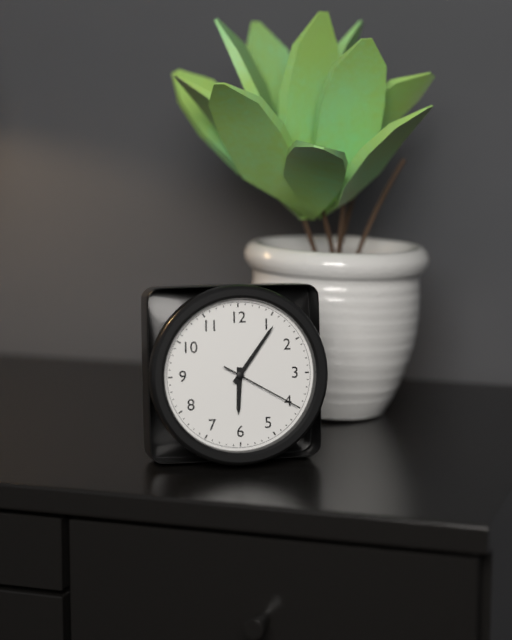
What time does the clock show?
6:06:20
